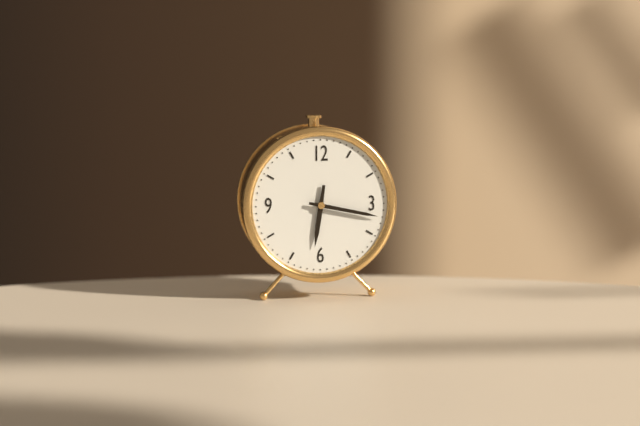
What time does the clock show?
6:17
